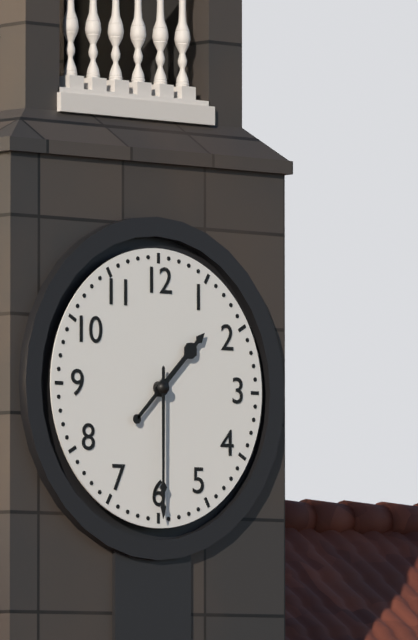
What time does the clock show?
1:30
